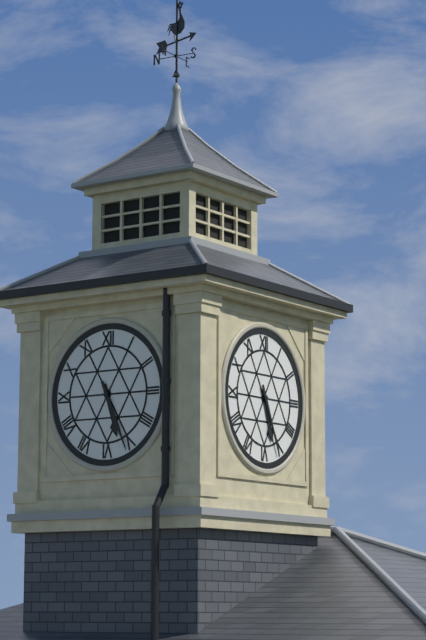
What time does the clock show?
5:26
